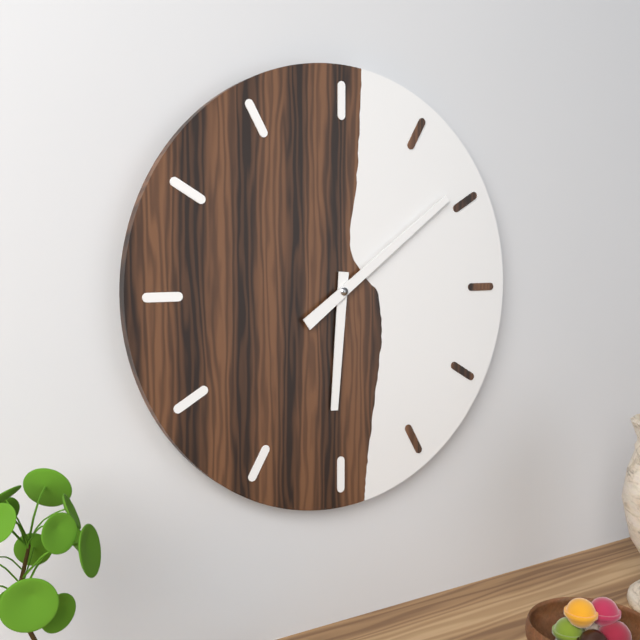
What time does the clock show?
6:09
